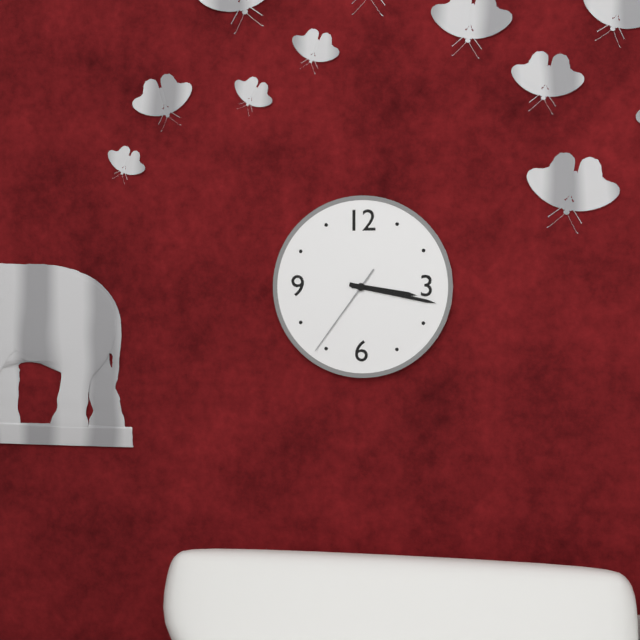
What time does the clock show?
3:17:36
